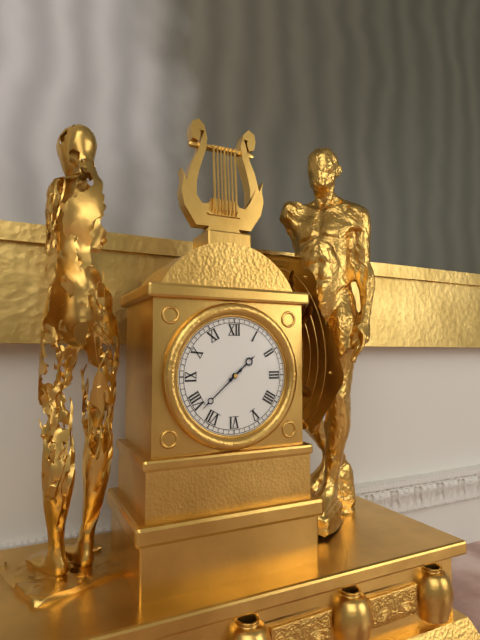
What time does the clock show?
1:38
